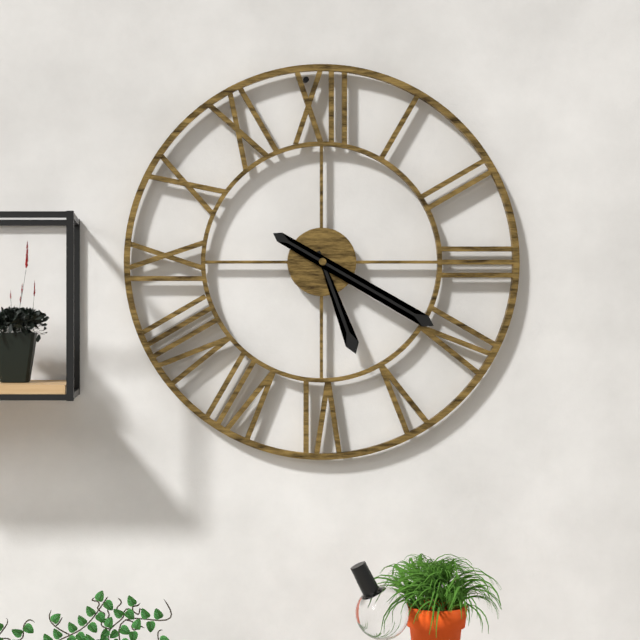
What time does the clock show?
5:20
